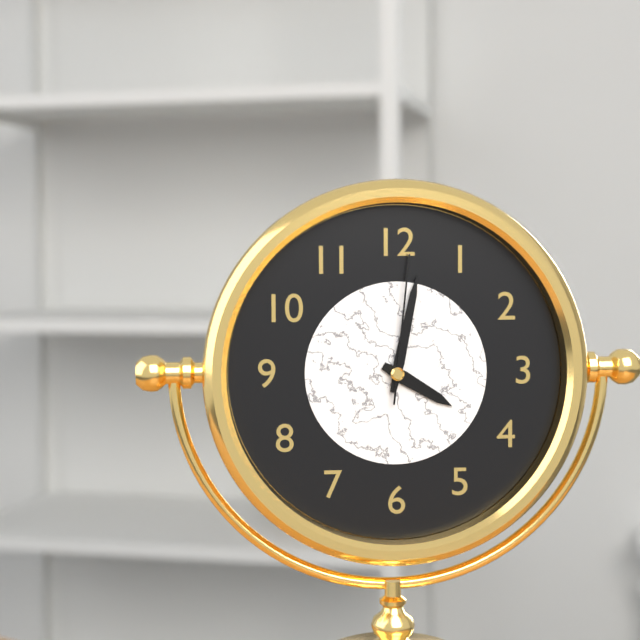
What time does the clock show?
4:02:01
